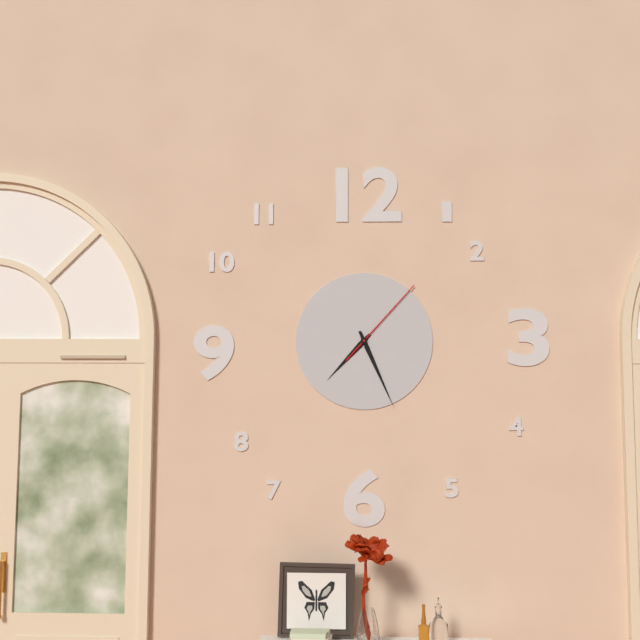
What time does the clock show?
7:26:07
